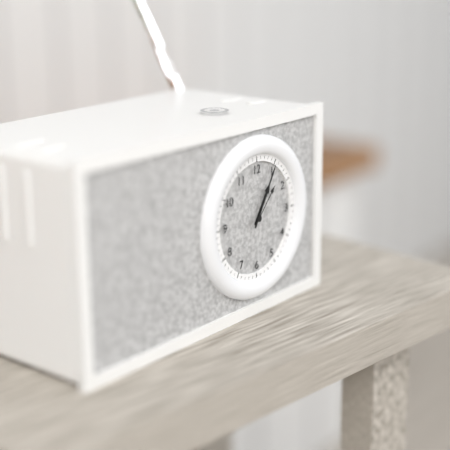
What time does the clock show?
1:05
